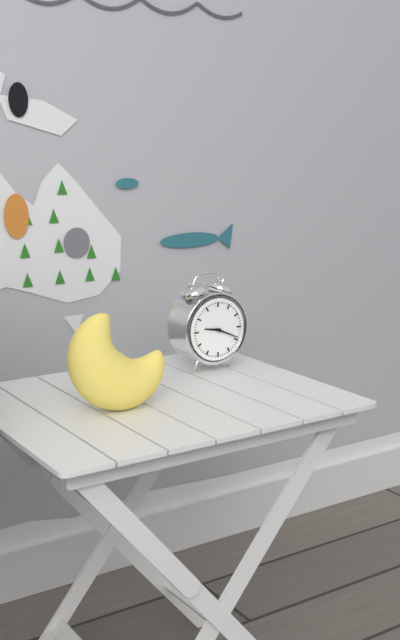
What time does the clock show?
9:19
